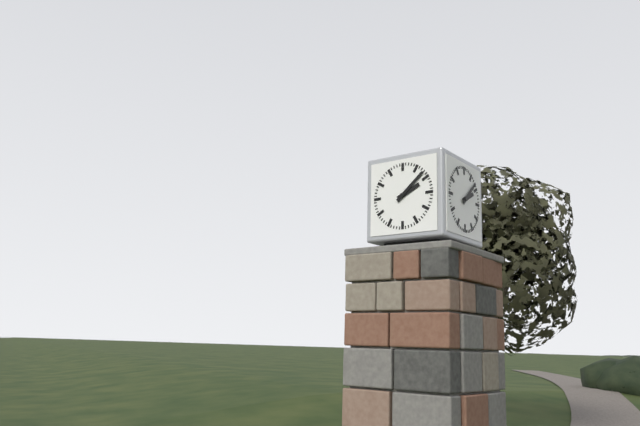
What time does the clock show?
2:08
